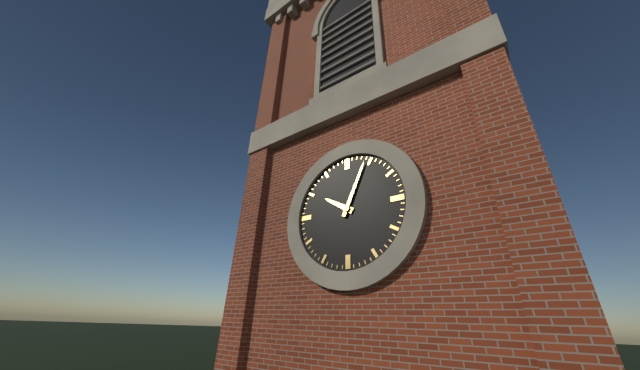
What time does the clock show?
10:04
